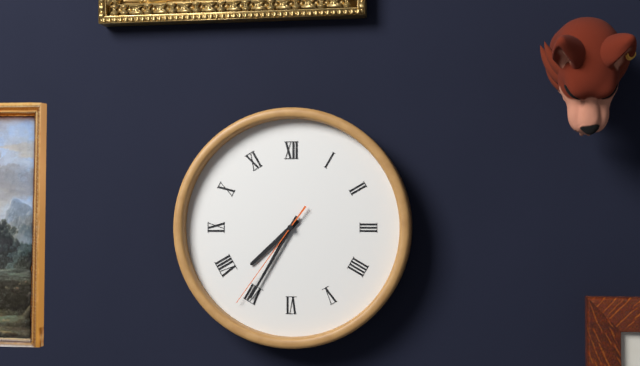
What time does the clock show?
7:35:36
